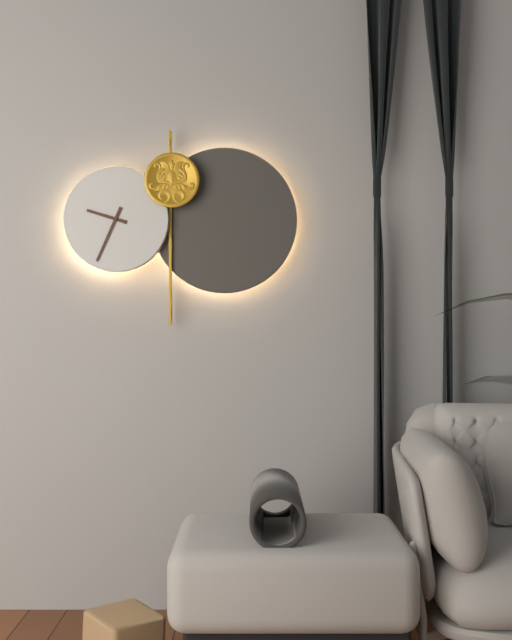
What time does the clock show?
9:34
